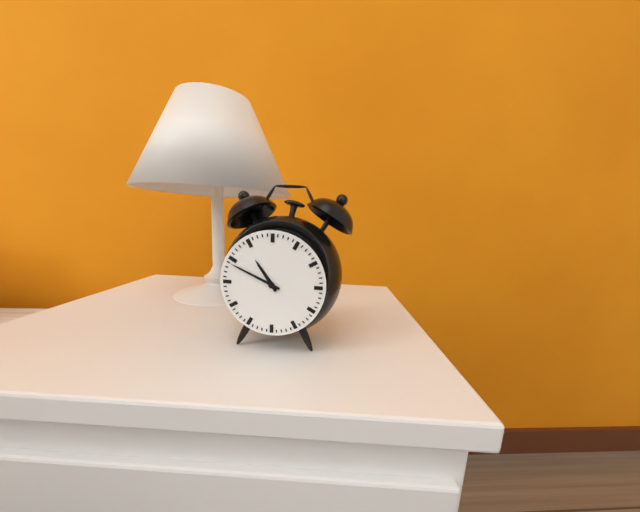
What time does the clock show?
10:49
